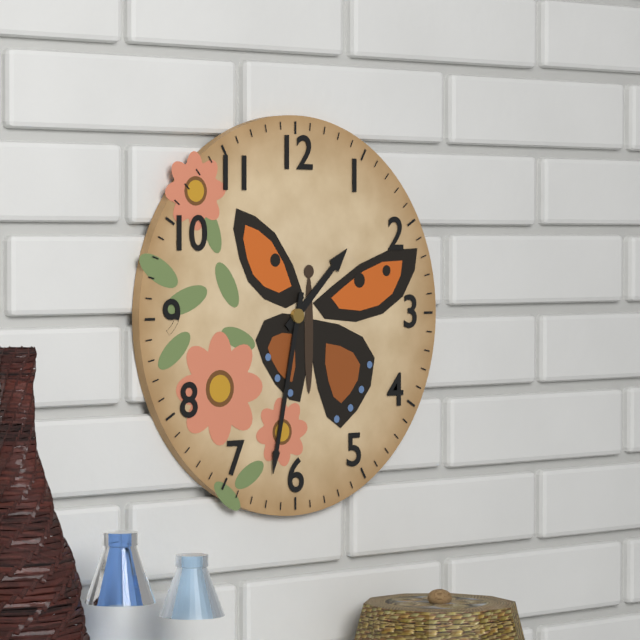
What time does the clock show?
1:32
